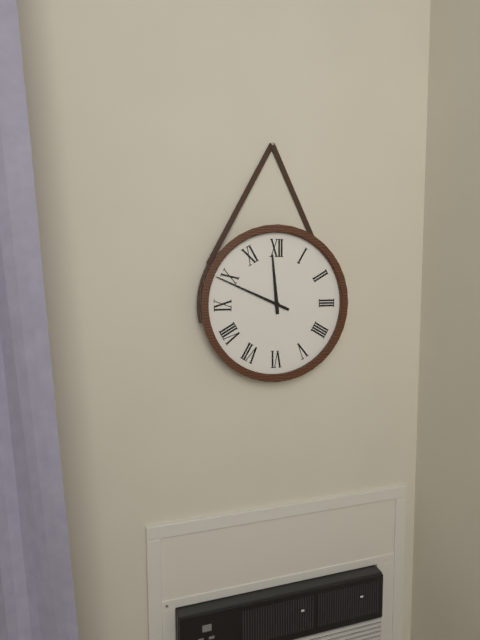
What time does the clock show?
11:49
